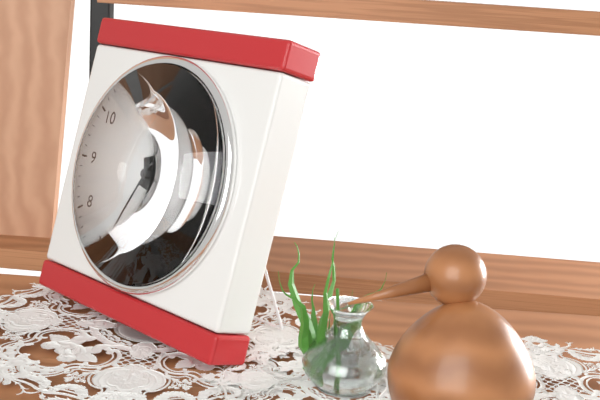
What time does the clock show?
12:27:34
